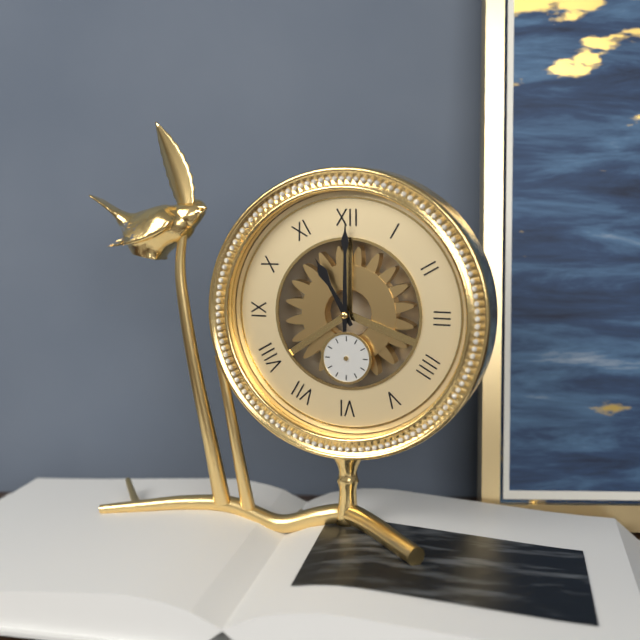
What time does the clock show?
11:00
